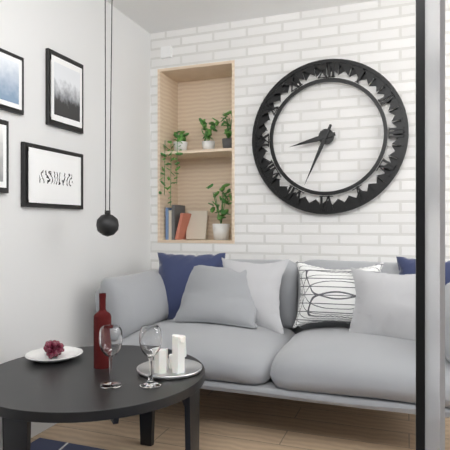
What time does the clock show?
8:34
